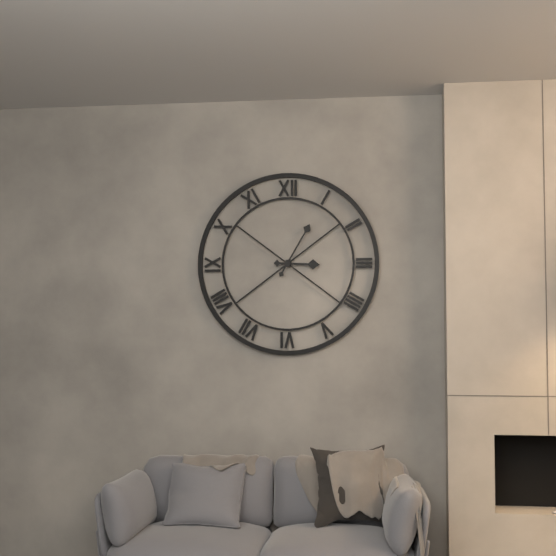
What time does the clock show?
3:05
